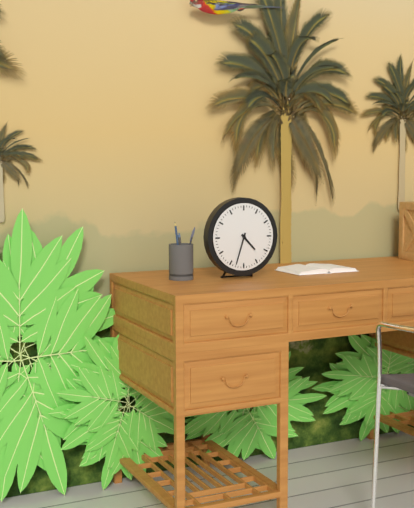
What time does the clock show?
4:33
